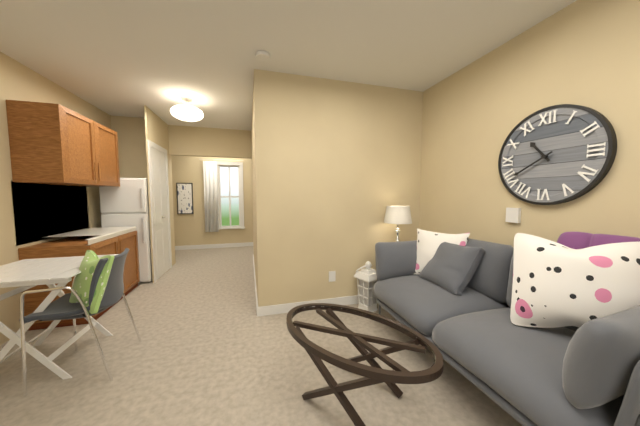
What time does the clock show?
10:40
